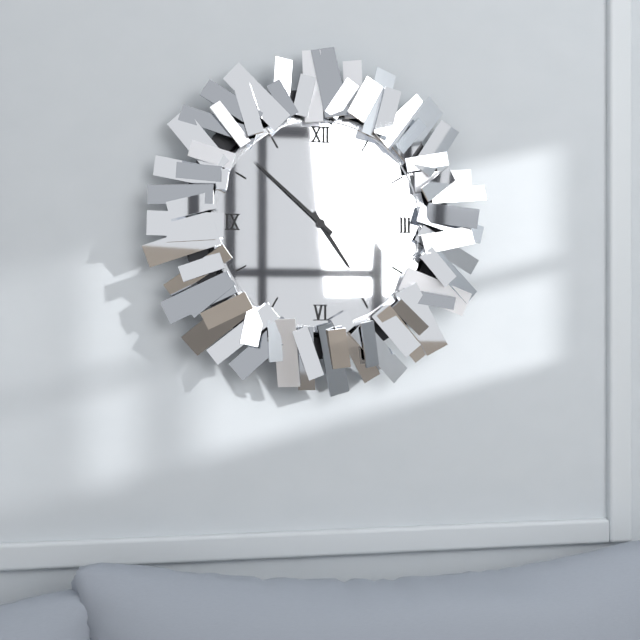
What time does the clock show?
4:52
